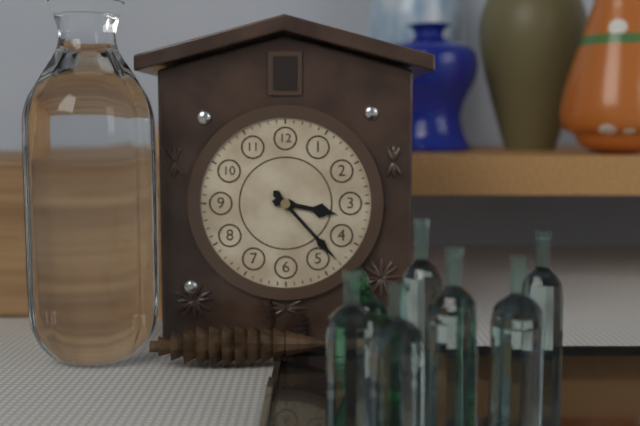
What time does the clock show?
3:23
